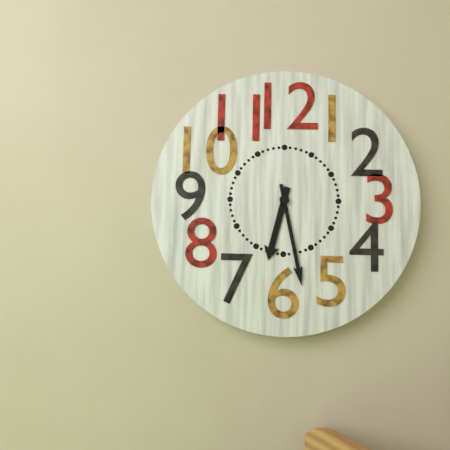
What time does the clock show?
6:28
